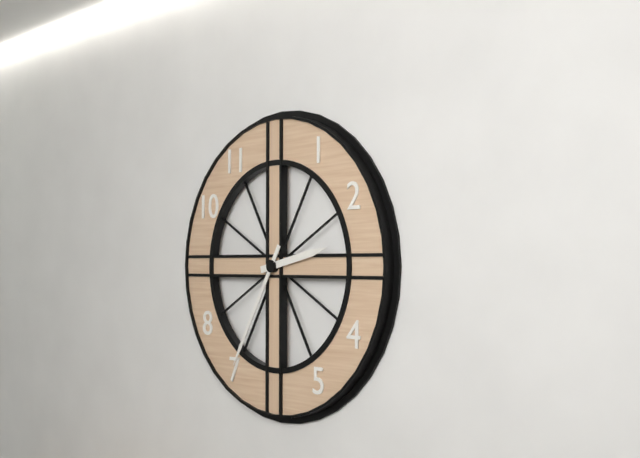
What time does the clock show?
2:35
